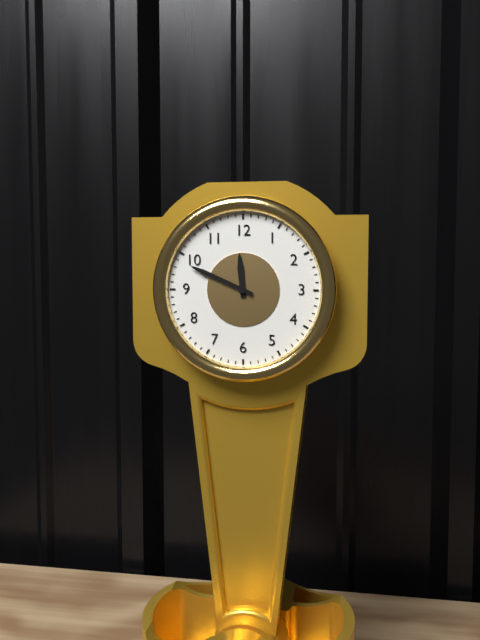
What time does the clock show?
11:49
